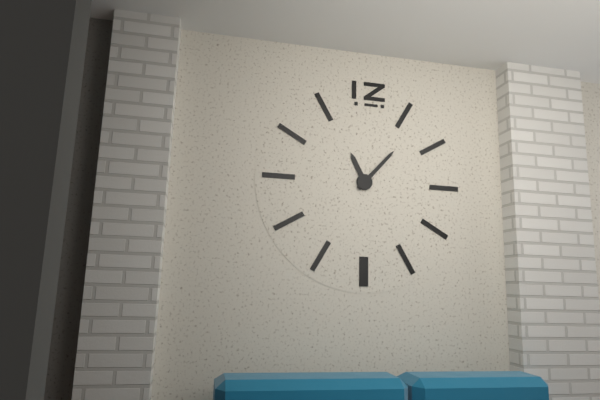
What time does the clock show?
11:07
